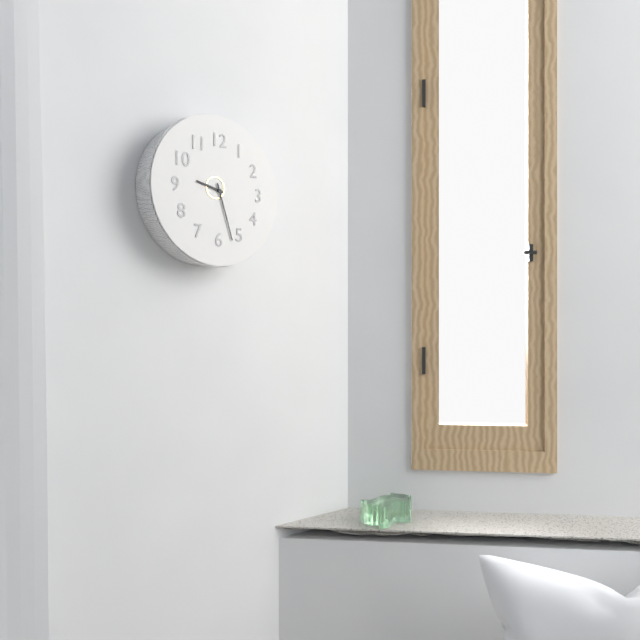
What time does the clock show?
9:27
